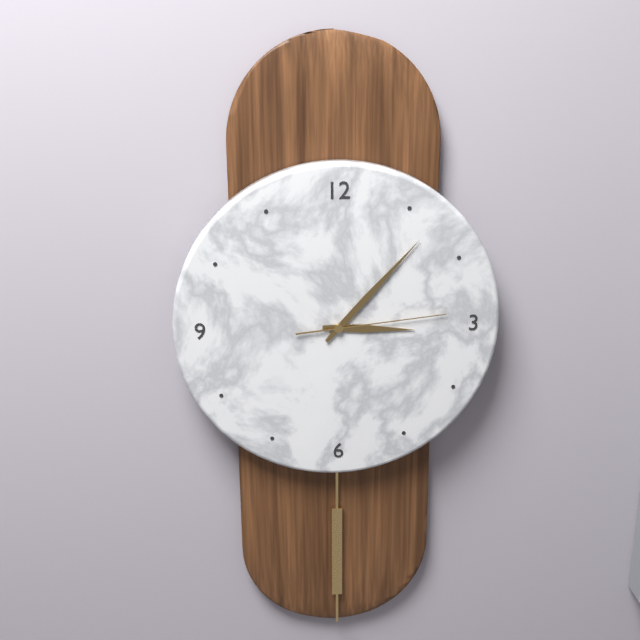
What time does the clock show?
3:07:14
